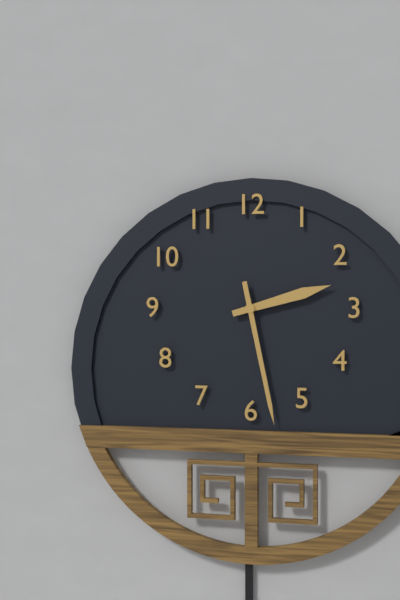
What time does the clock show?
2:28
